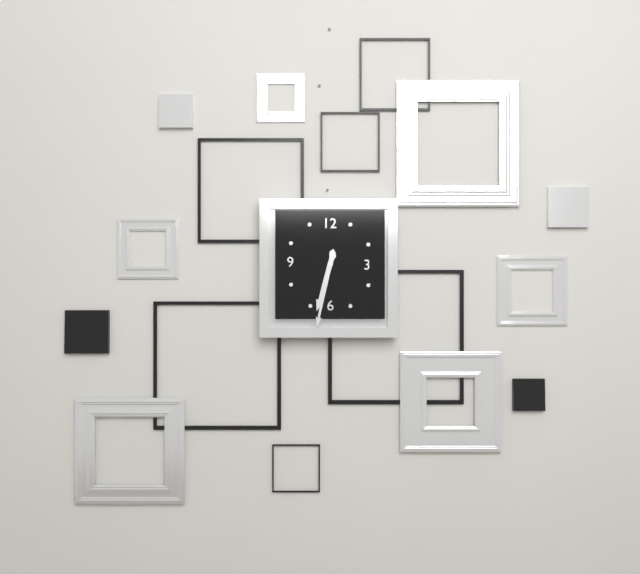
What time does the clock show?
6:32
